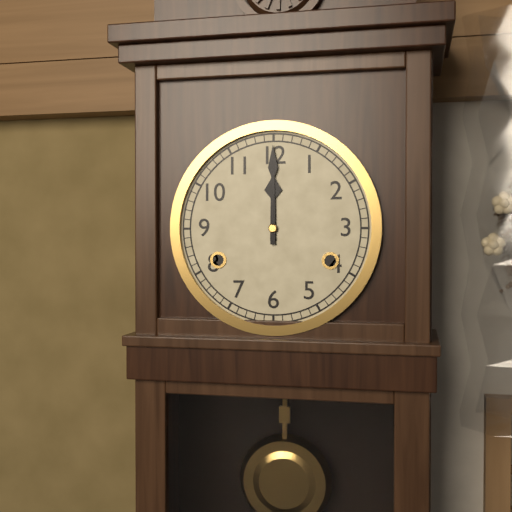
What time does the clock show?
12:00
